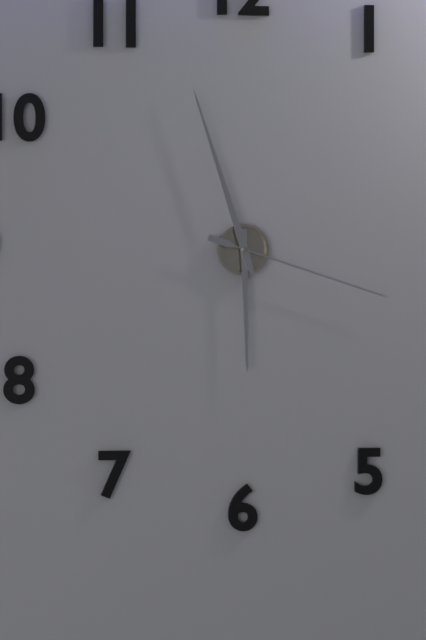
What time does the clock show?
5:57:18
